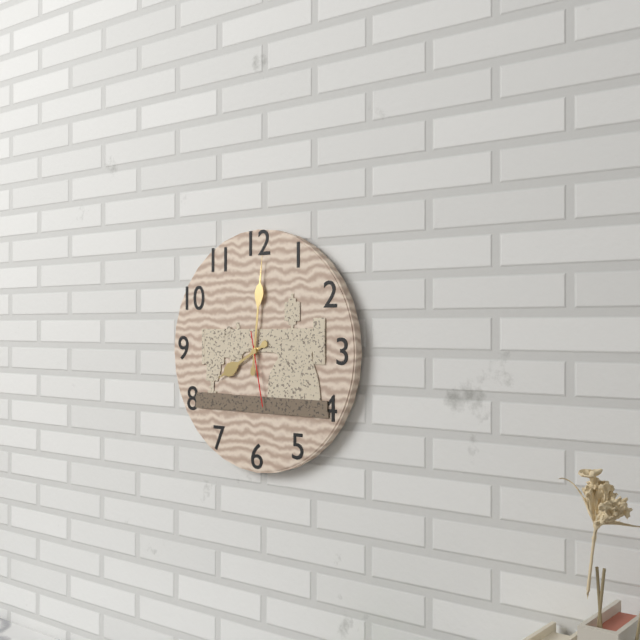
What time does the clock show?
8:01:28
